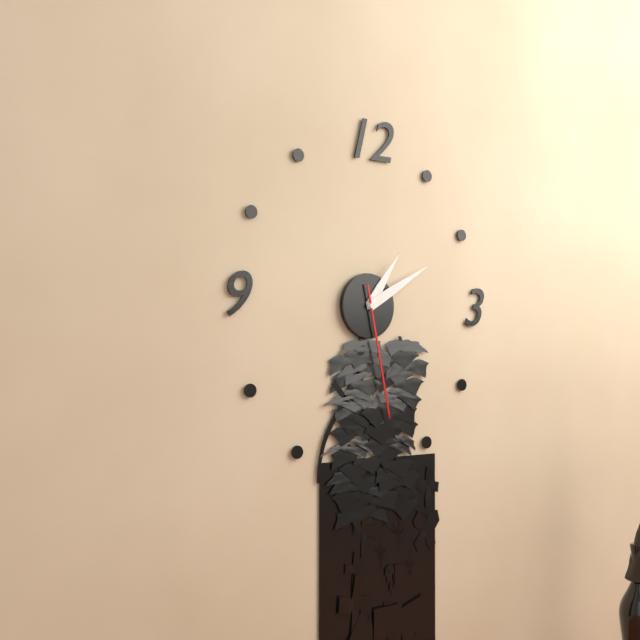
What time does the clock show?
1:10:28
